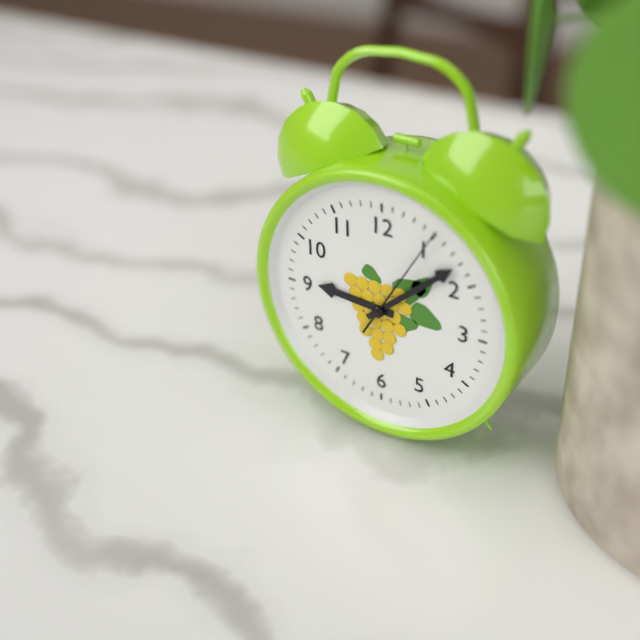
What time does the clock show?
9:08:05
